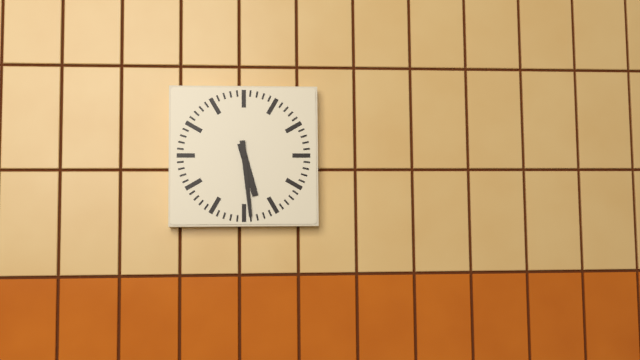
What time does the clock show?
5:29
